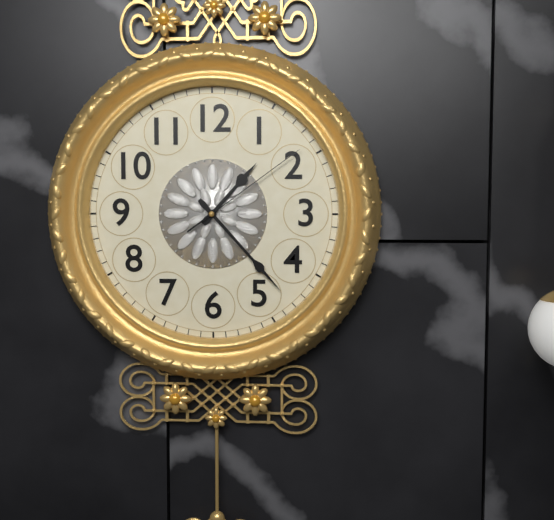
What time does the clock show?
1:23:09
